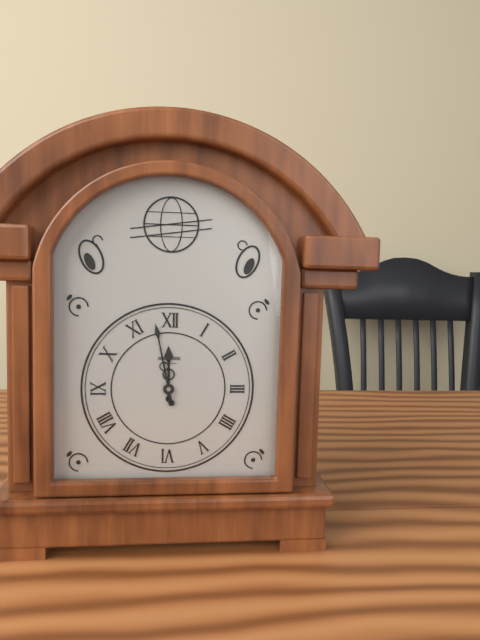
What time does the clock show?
11:58
